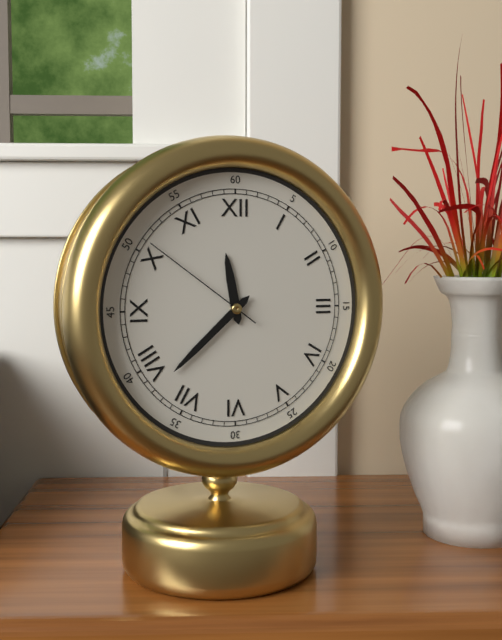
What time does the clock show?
11:38:51
